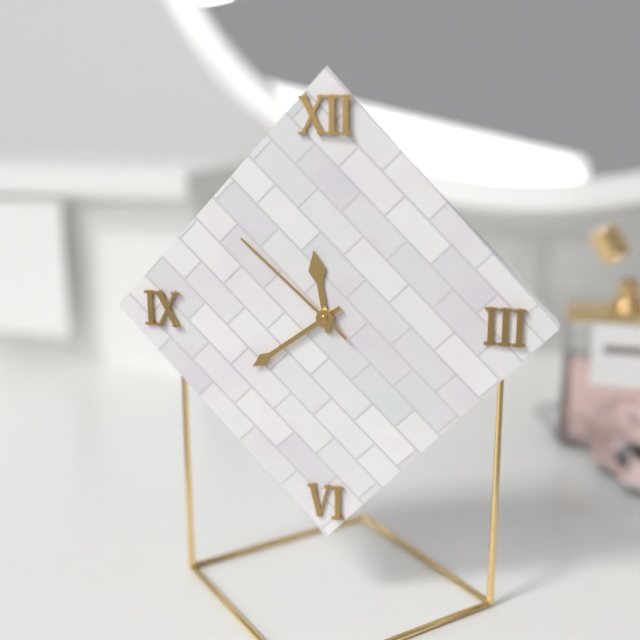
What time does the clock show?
11:39:52
